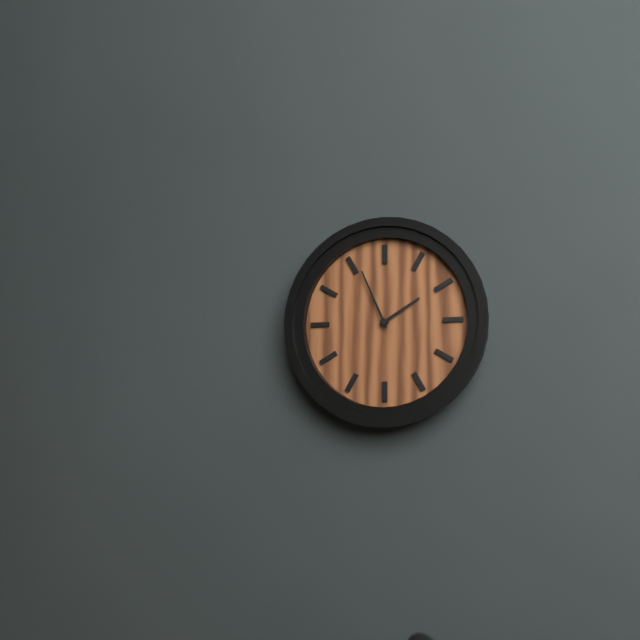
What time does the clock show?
1:56
